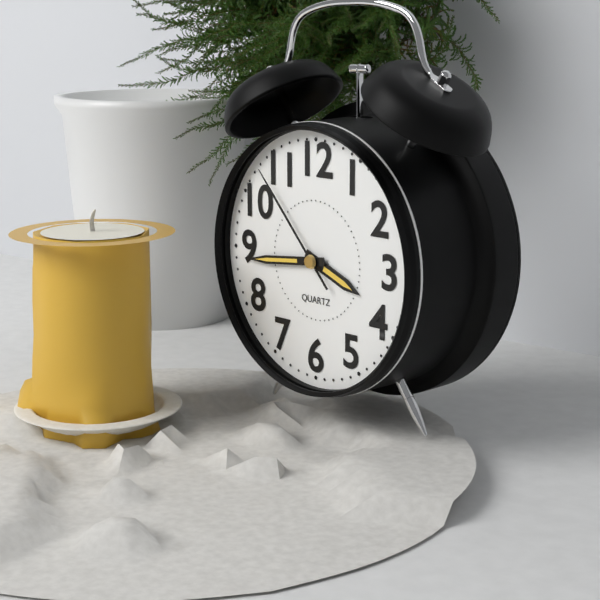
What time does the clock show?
3:44:53
